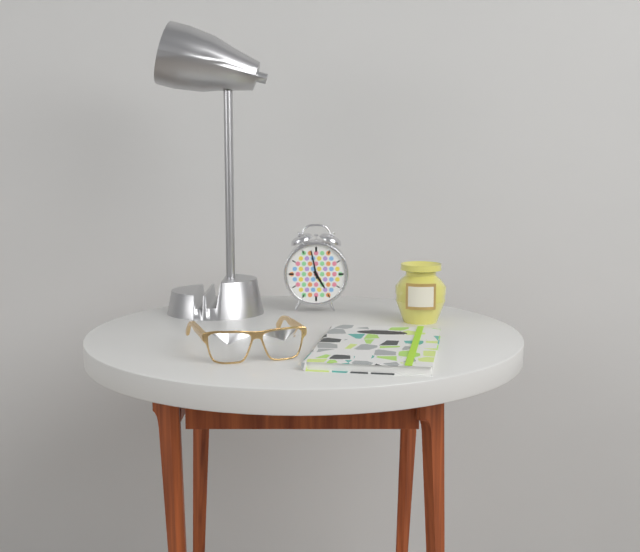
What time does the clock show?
4:58
